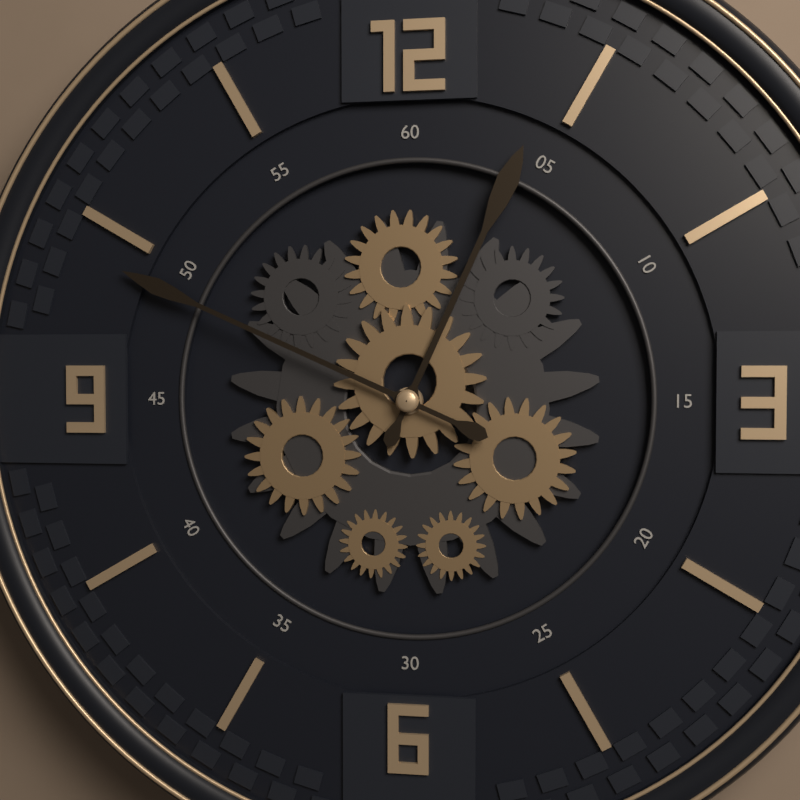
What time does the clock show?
12:49
